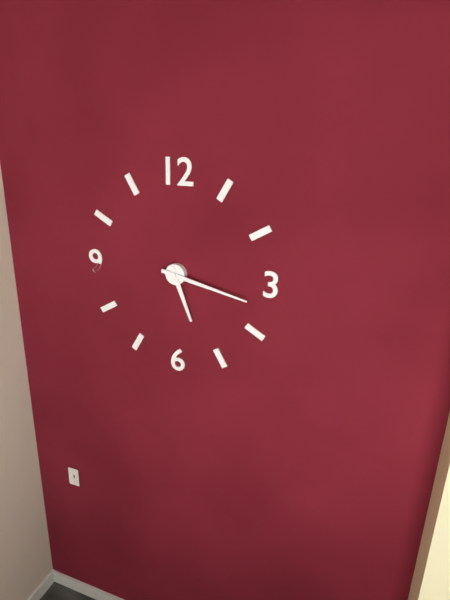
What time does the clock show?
5:17
